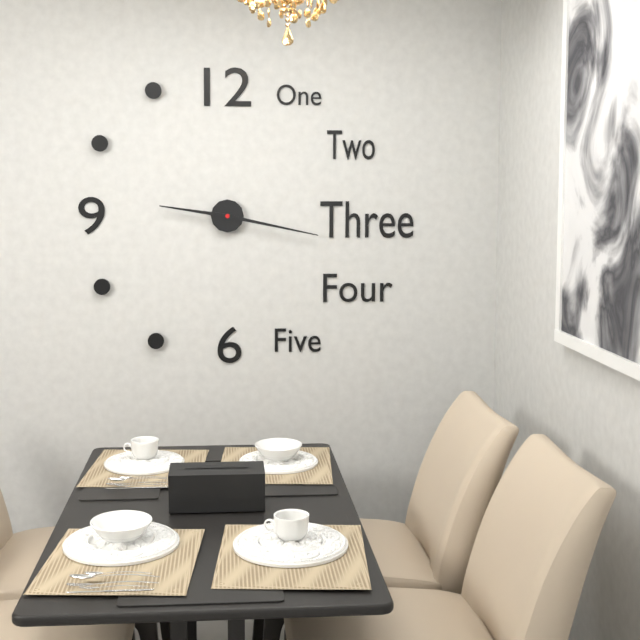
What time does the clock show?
9:17
